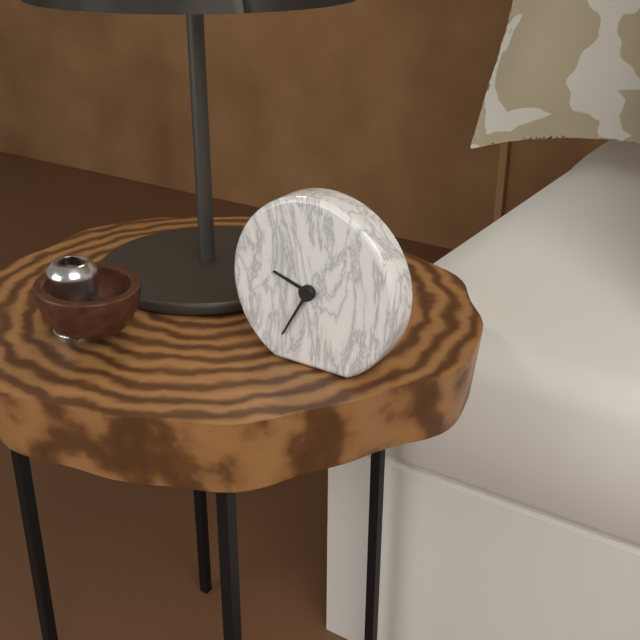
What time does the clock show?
9:35
